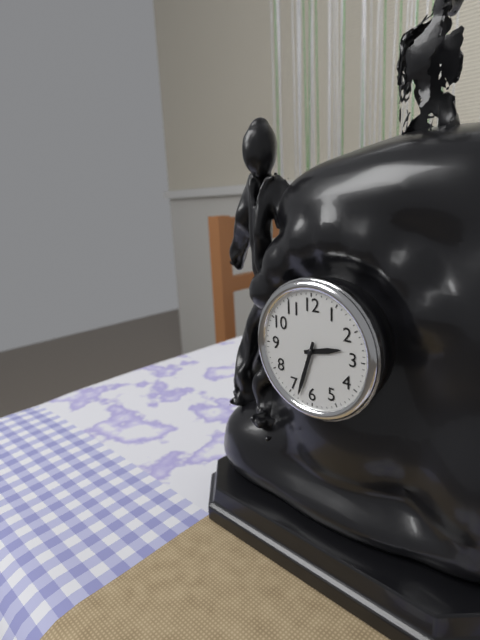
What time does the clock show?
2:33
